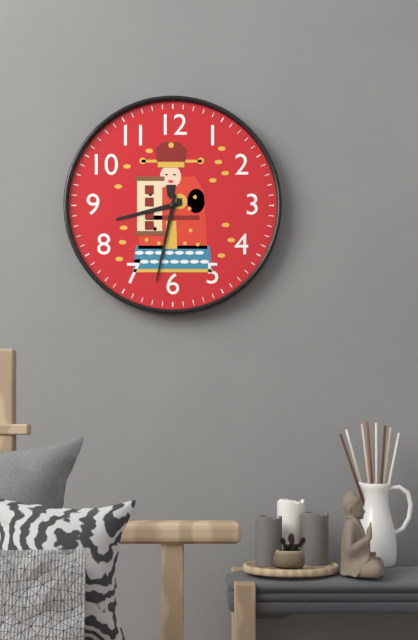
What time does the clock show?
8:32
